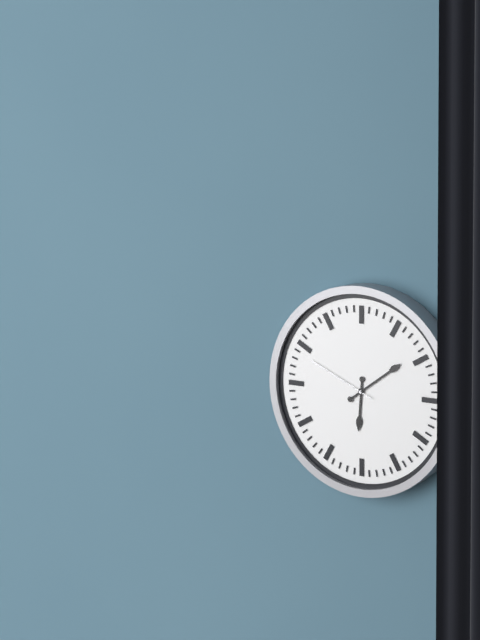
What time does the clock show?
6:09:49
